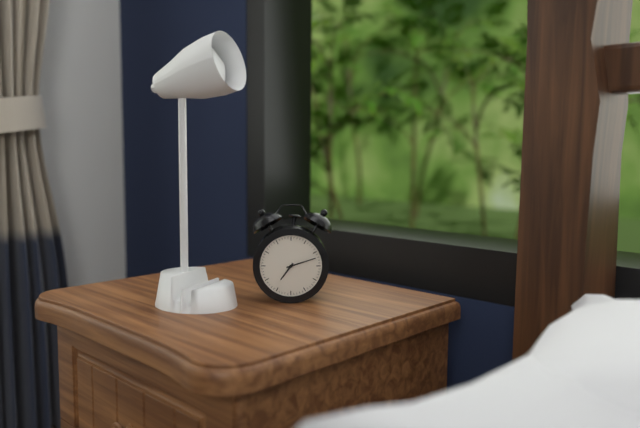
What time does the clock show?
7:12
